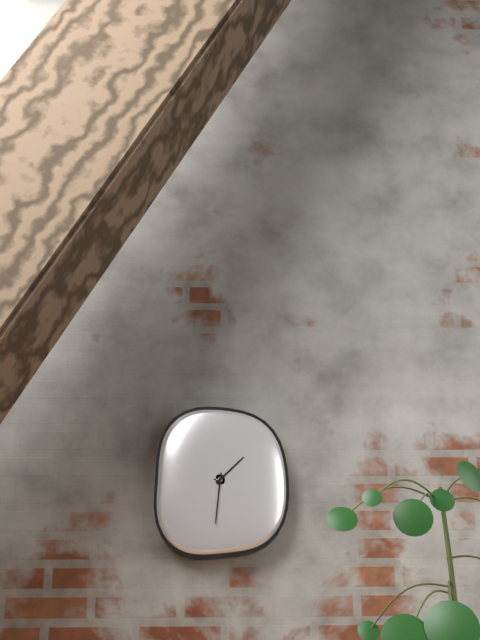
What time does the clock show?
1:31
